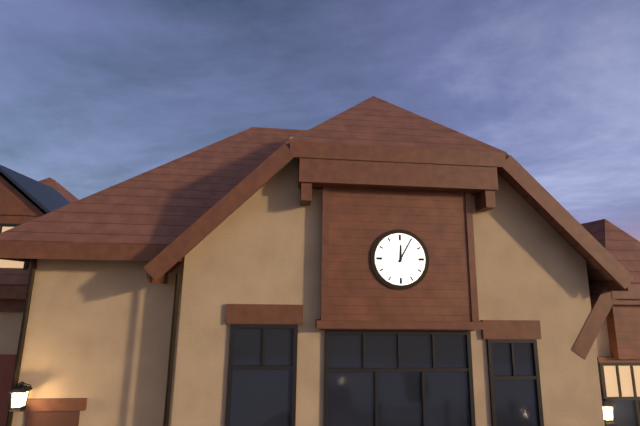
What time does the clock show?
12:05
